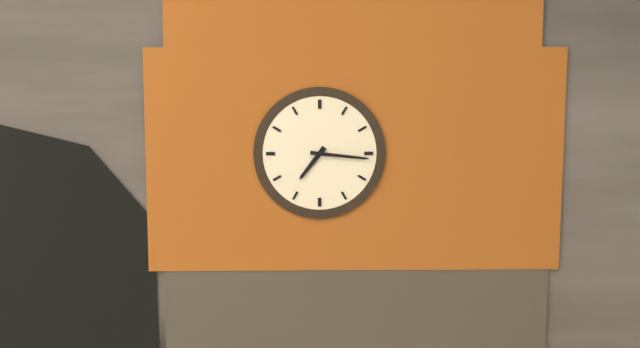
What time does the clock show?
7:16
